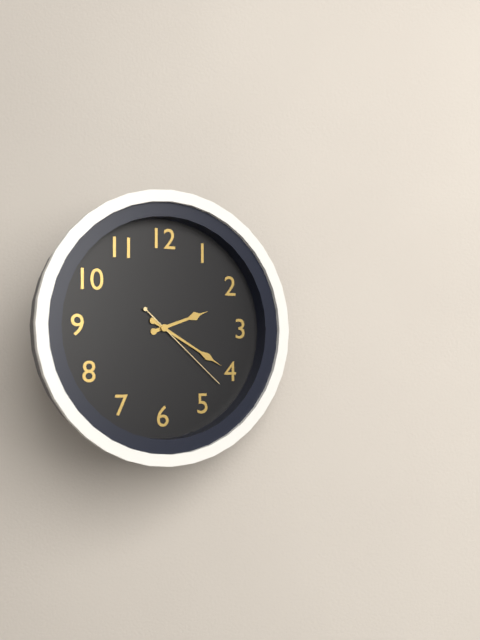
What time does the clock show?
2:20:22
